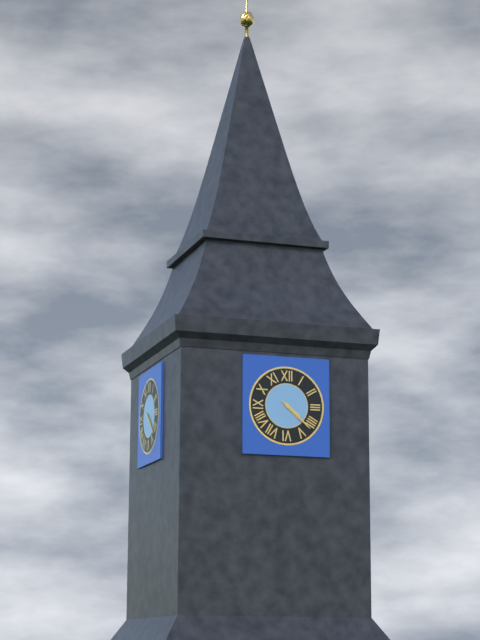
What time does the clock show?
4:22
